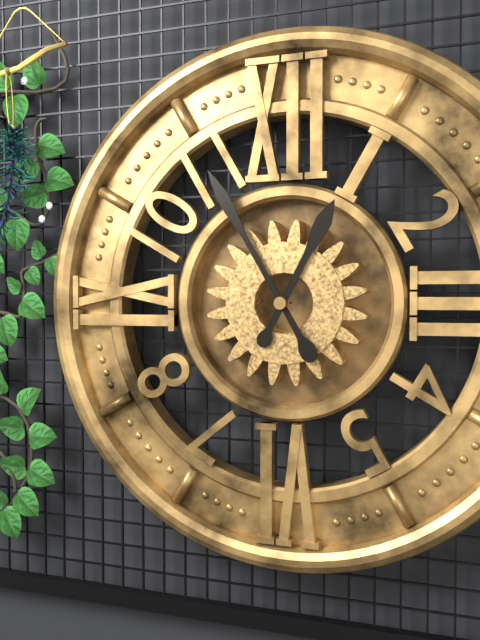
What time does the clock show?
12:55
